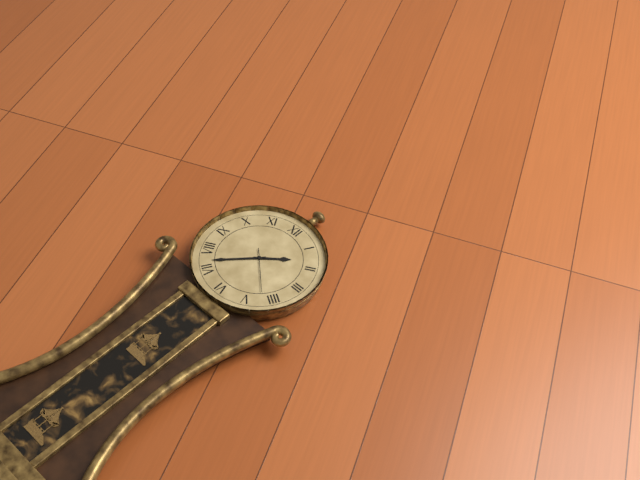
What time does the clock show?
1:37
